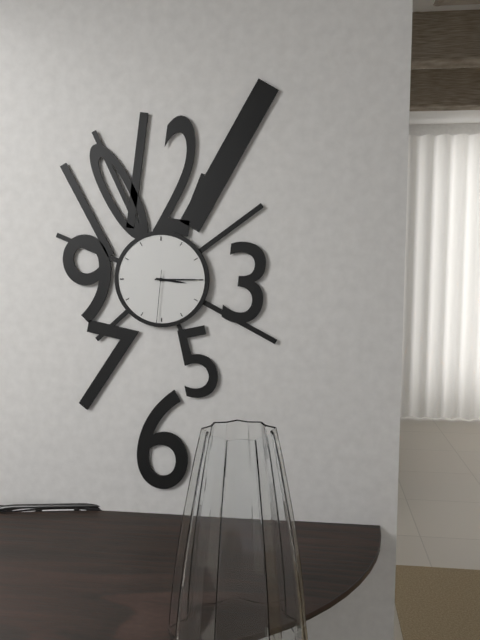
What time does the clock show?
3:15:31
